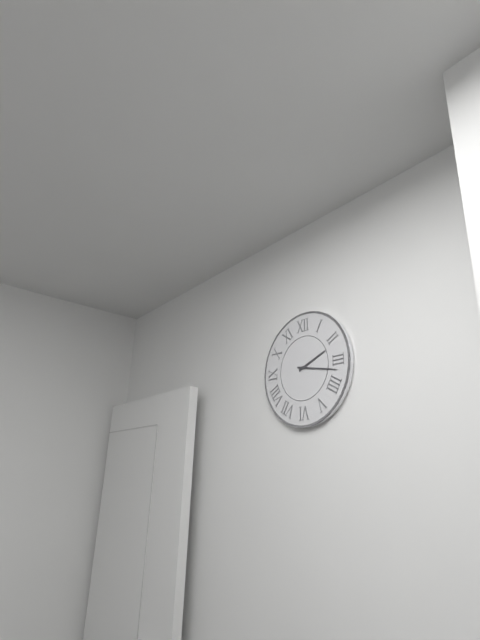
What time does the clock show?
2:17
